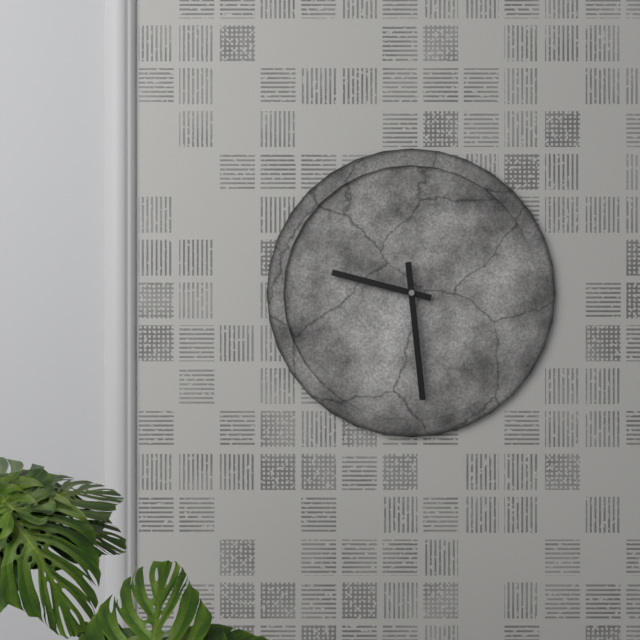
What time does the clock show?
9:29
